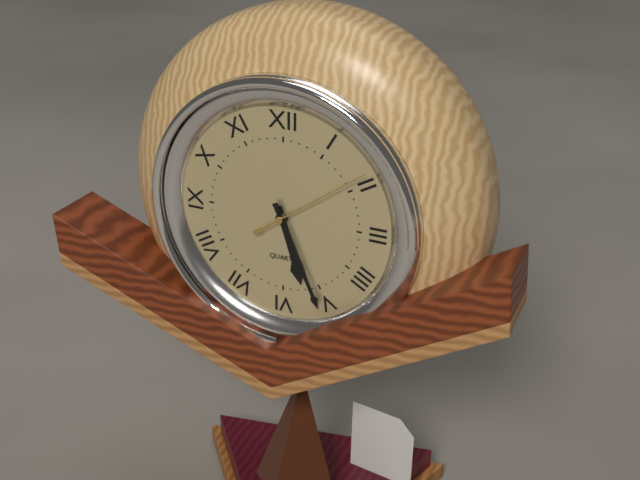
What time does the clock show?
5:26:09
